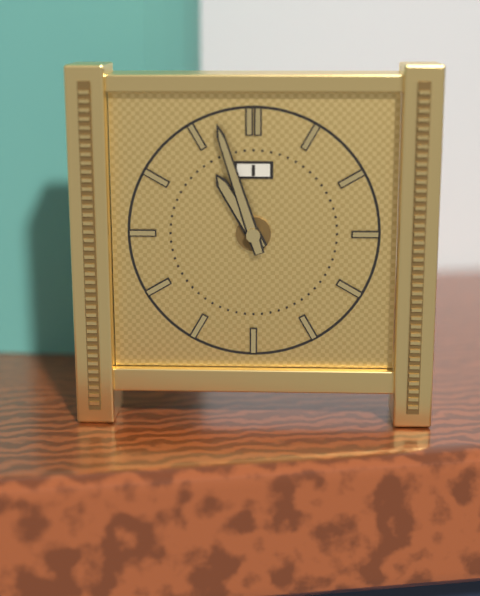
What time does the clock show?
10:57
